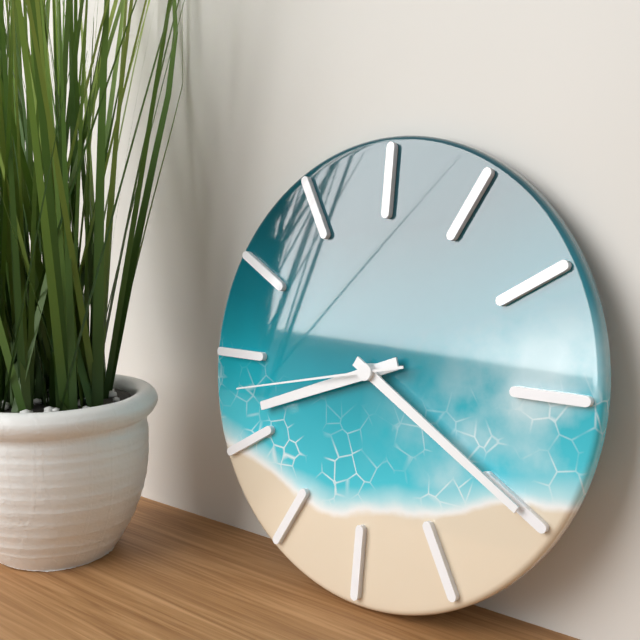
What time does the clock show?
8:20:43
